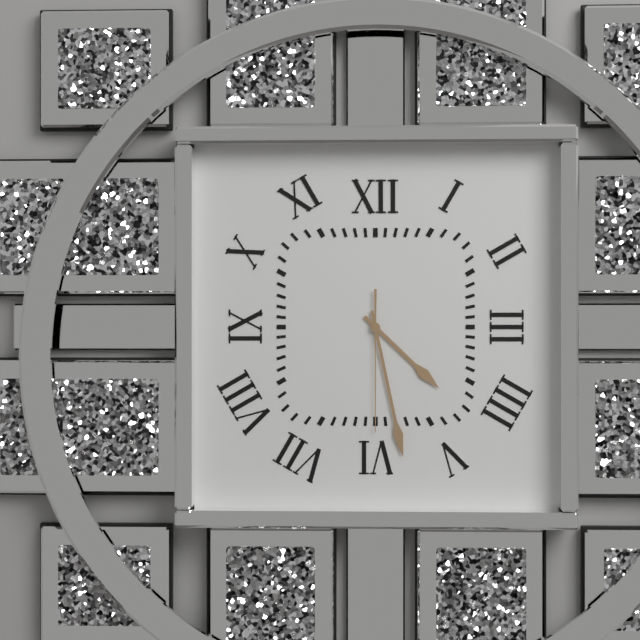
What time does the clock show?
4:28:30
